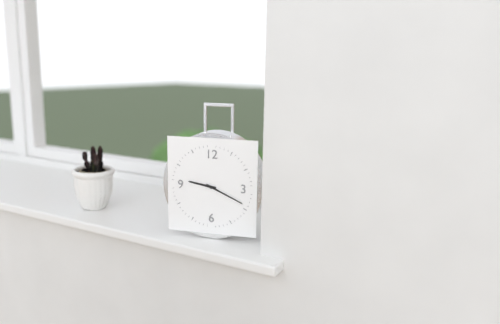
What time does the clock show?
9:19
